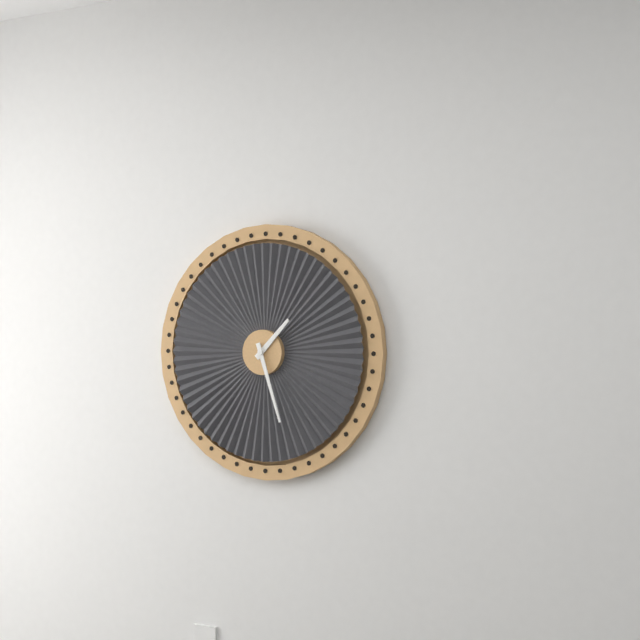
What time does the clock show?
1:27
